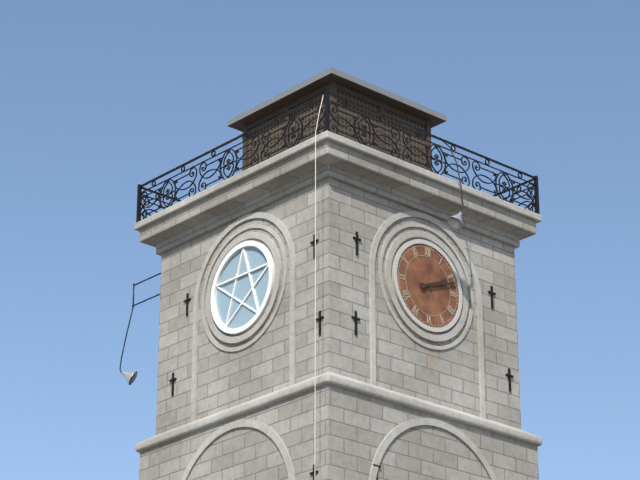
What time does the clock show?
2:12
